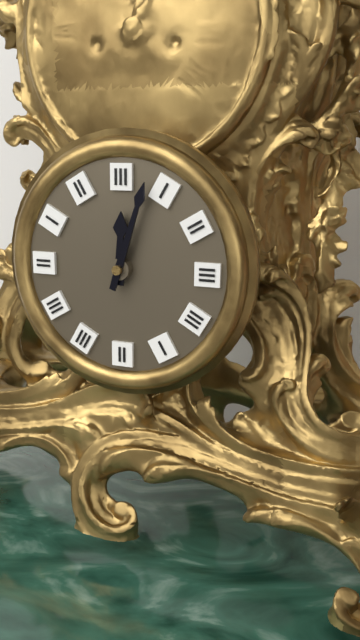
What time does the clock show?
12:03
